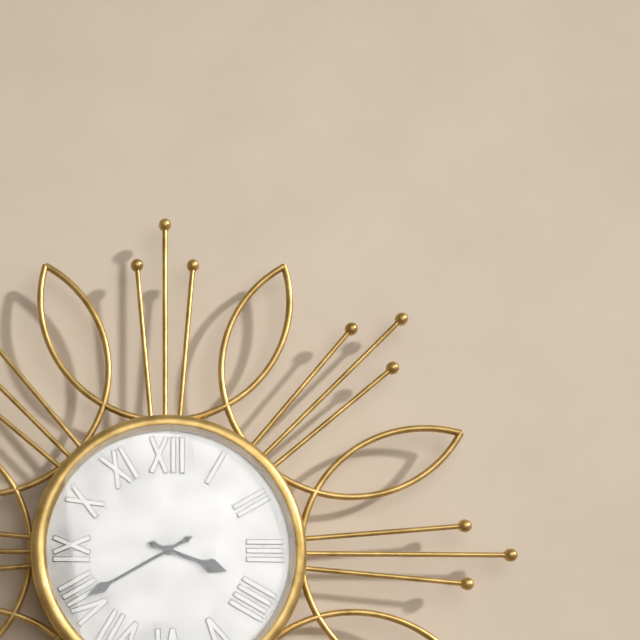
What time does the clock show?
3:40
